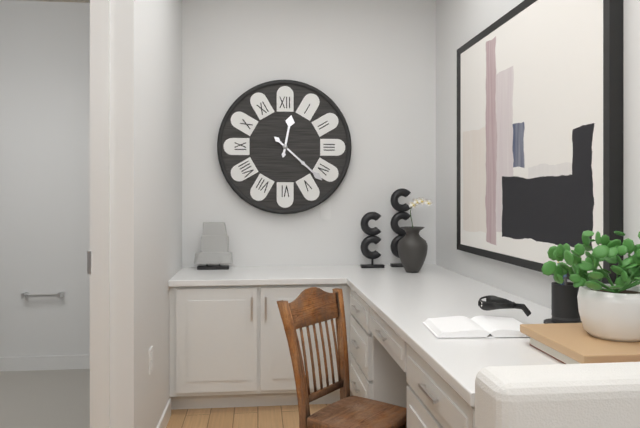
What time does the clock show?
12:22
